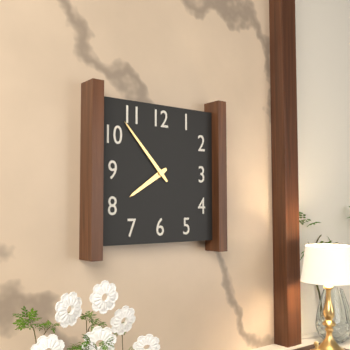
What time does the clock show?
7:53
